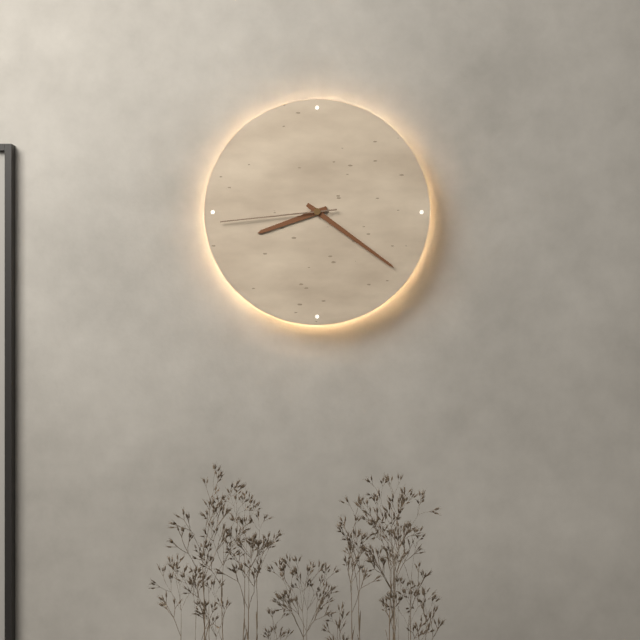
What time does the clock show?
8:21:44
